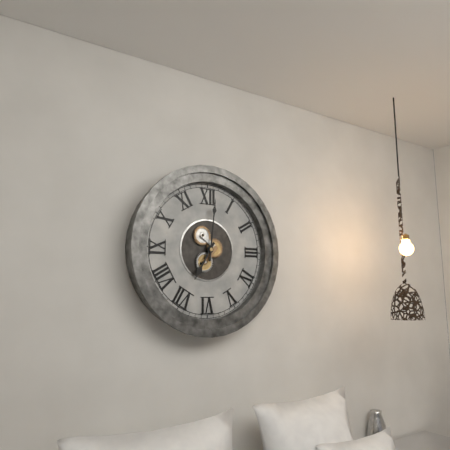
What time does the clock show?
7:01
